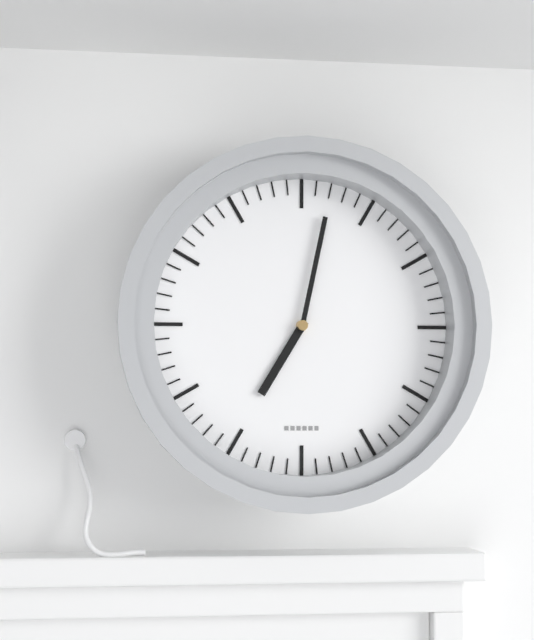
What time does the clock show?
7:02
